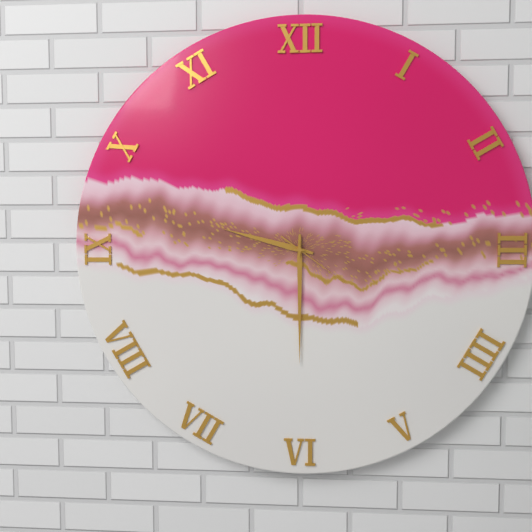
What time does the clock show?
9:30:21
